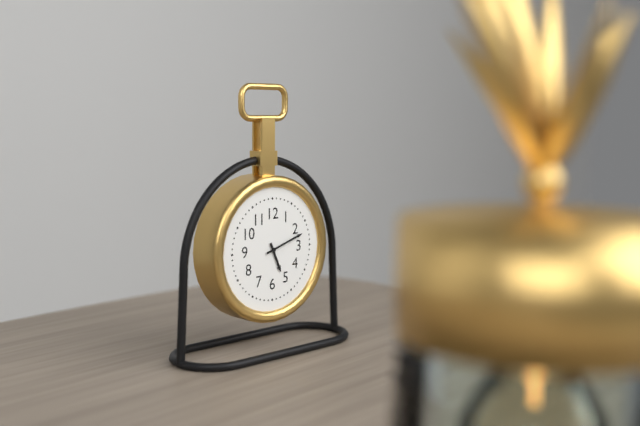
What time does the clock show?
5:12
